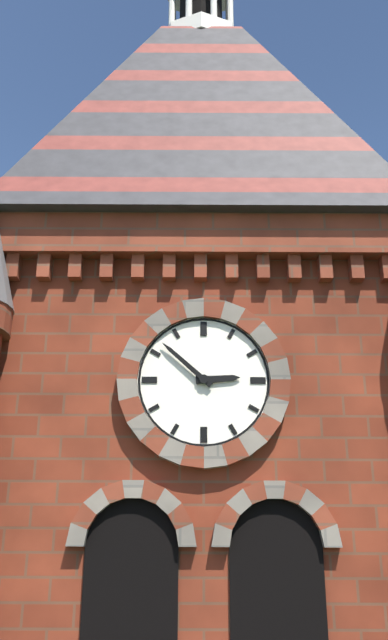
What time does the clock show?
2:52
